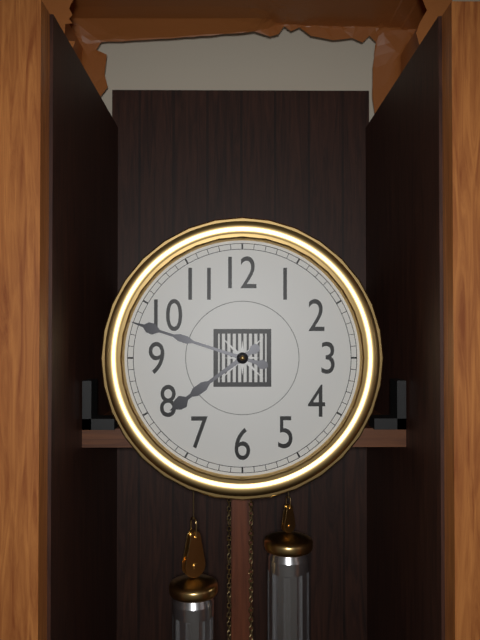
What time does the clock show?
7:48
